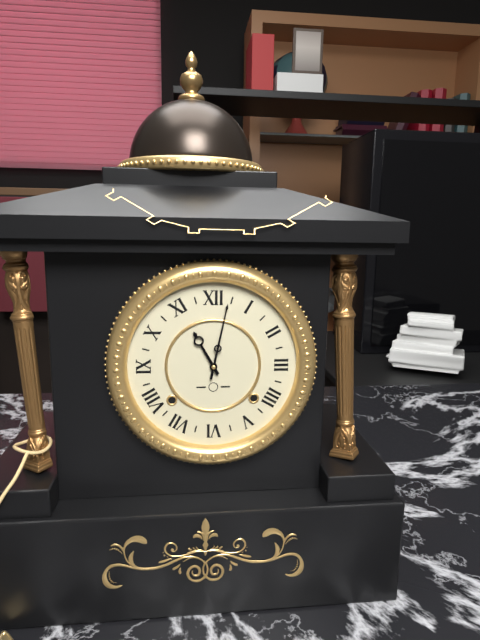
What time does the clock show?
11:02
